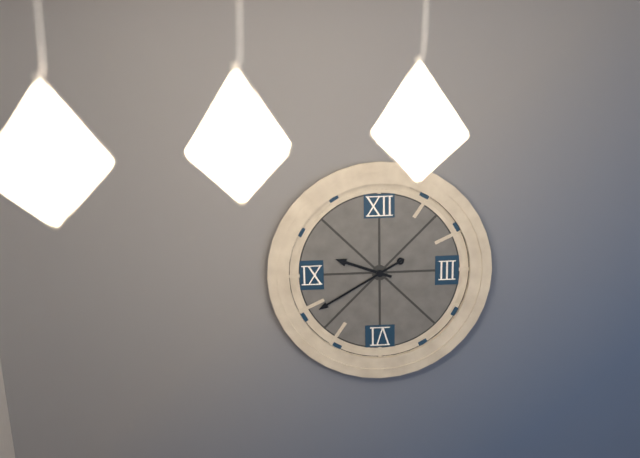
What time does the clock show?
9:40
